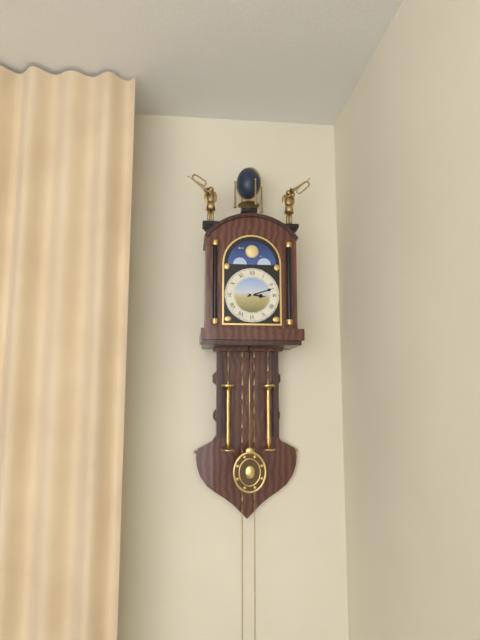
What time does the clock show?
3:12
